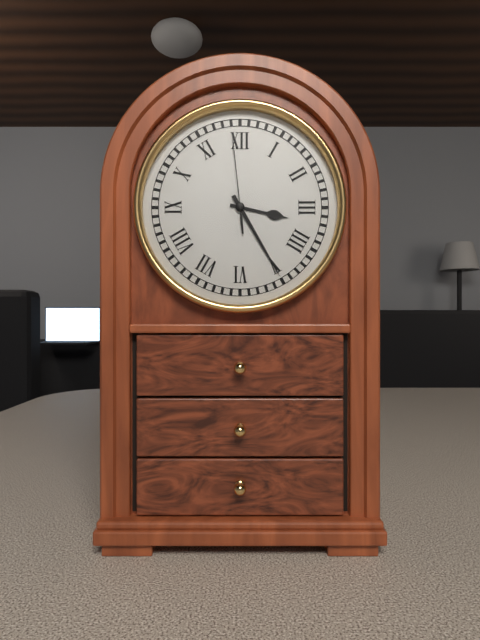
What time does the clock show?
3:25:59
